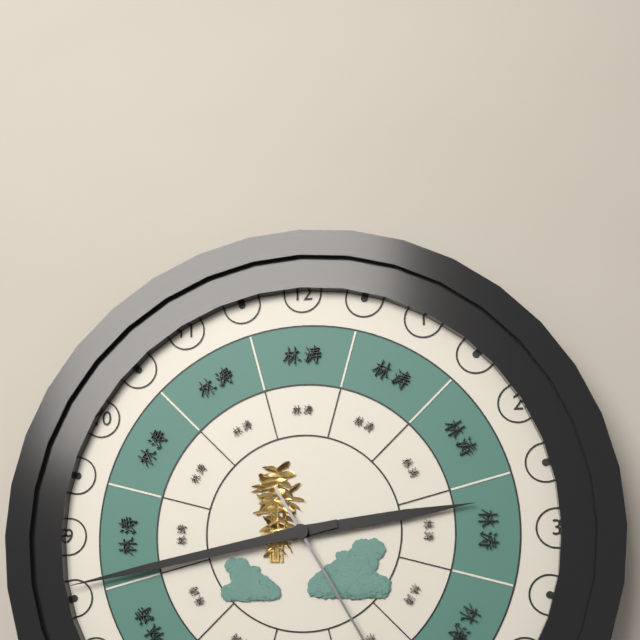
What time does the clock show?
2:43
